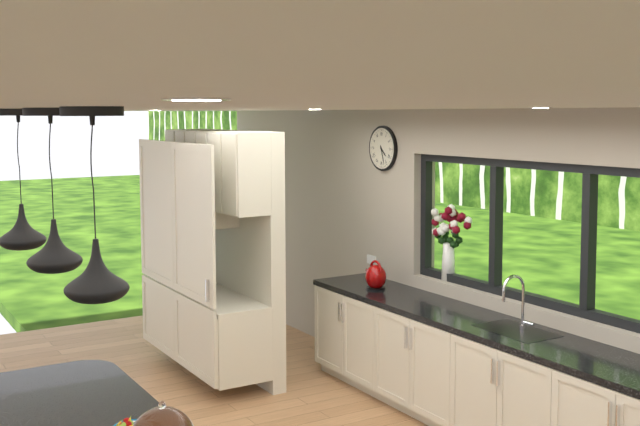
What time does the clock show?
4:27
